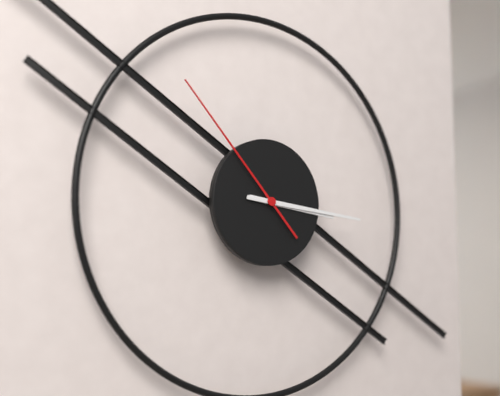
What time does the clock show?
3:16:53
